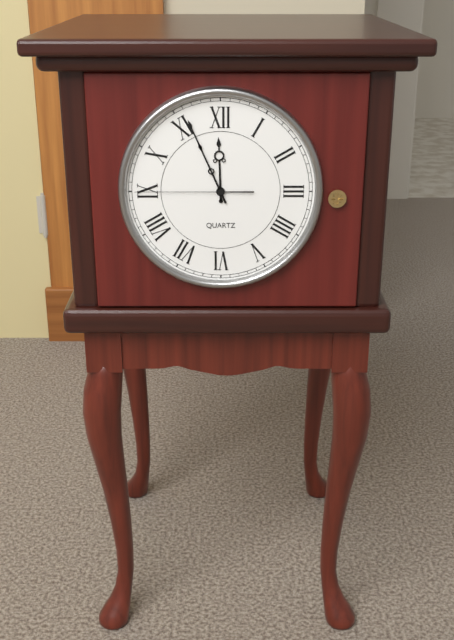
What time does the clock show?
11:56:45
